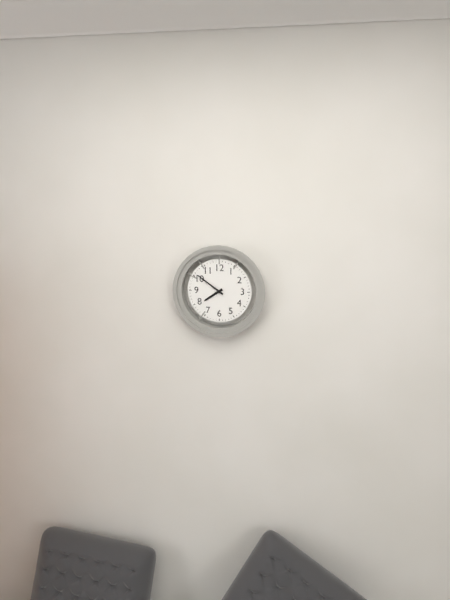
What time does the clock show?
7:51
